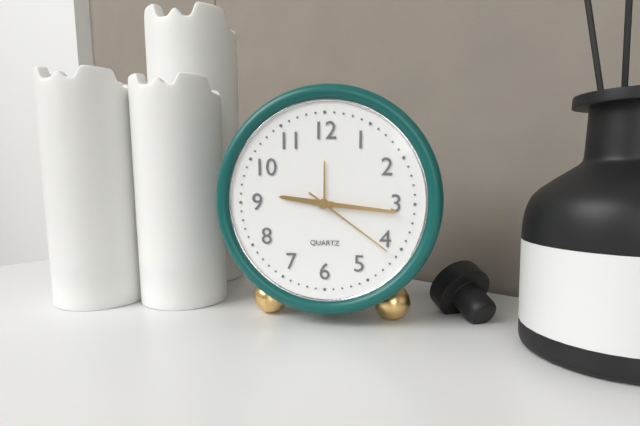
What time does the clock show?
9:16:21
